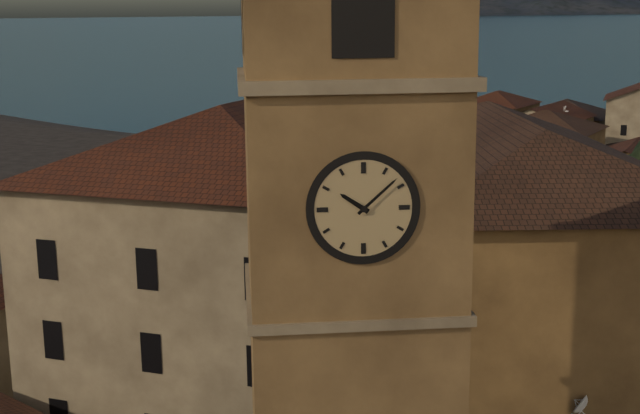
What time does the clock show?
10:08
